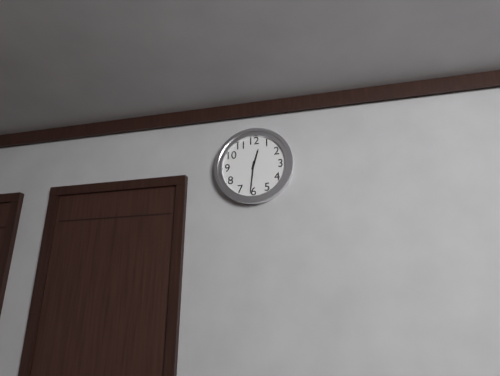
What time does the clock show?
12:31
